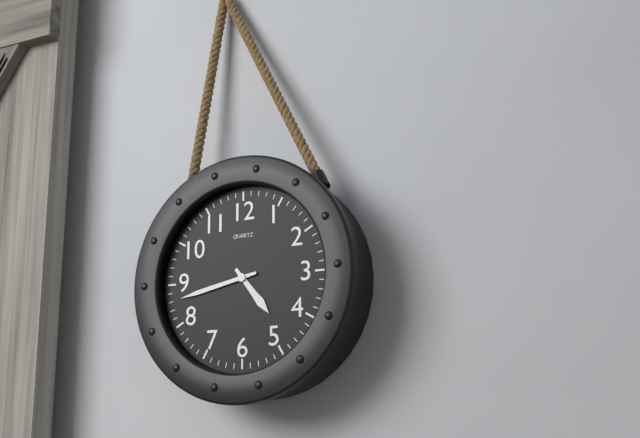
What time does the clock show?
4:43
